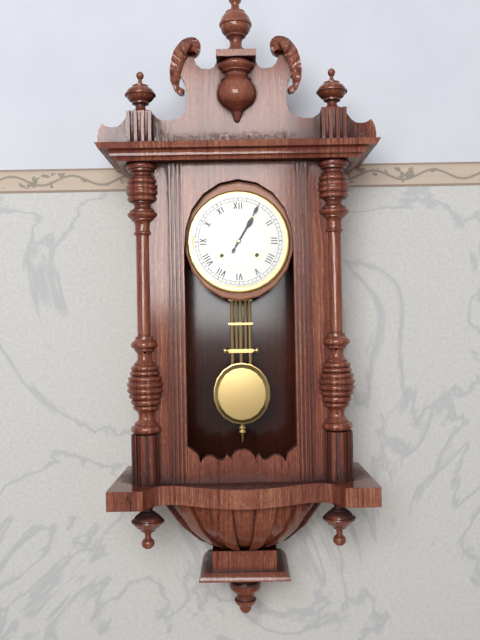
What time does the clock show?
1:05
